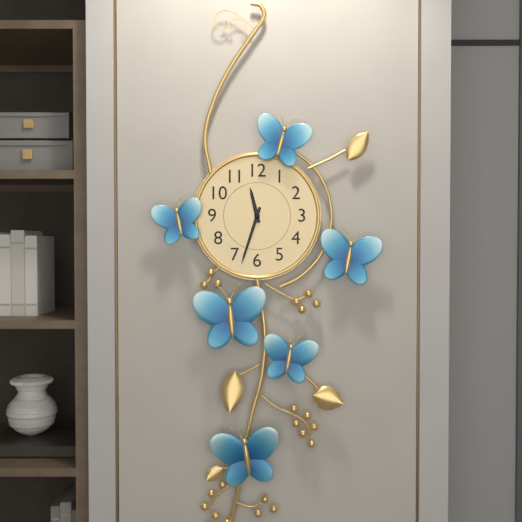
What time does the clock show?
11:33
